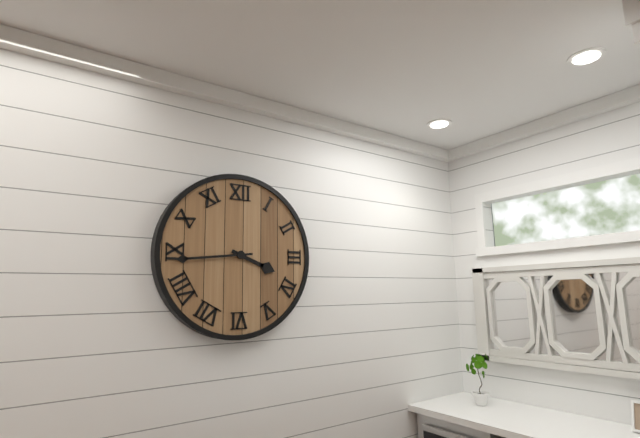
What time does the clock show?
3:44
